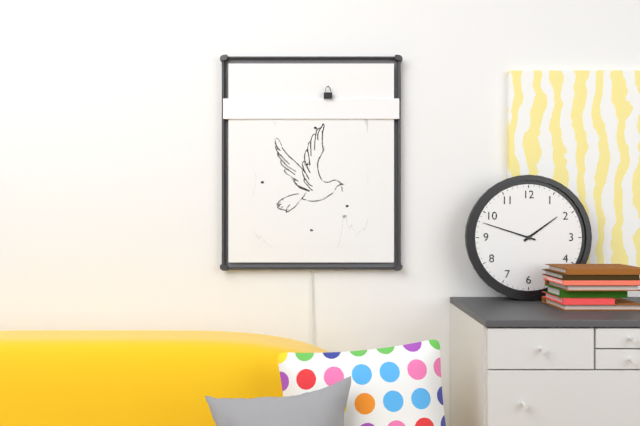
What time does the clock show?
1:48
